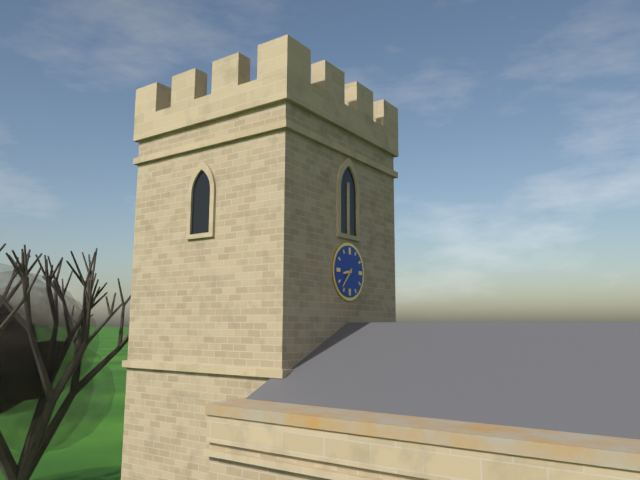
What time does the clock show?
8:37
